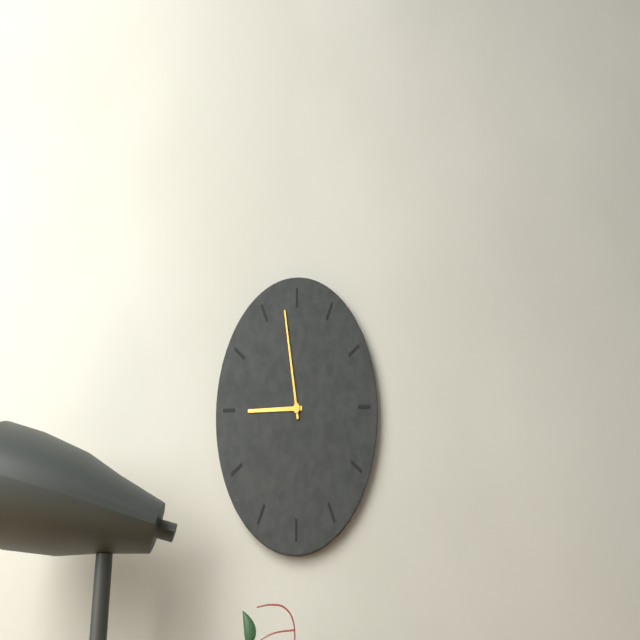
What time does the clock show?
8:58
